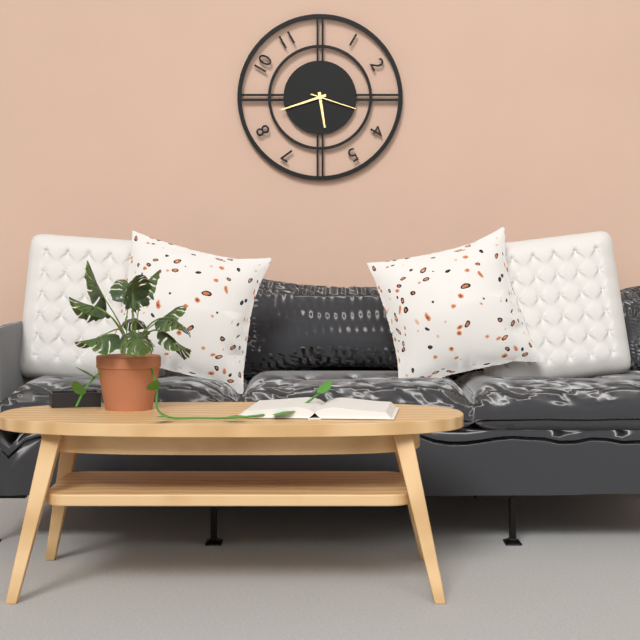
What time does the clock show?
5:42
